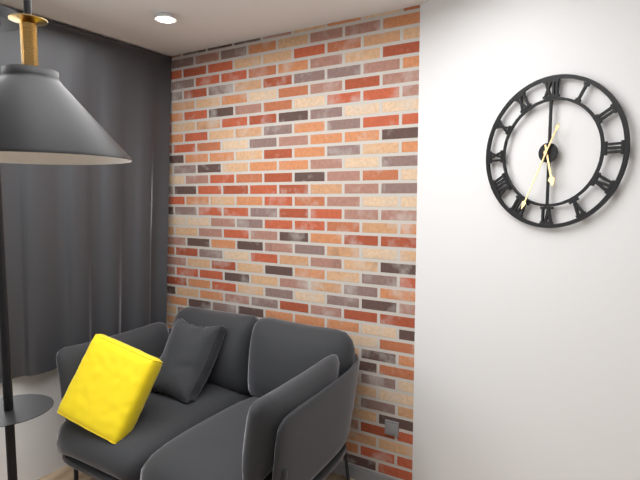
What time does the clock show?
5:34
